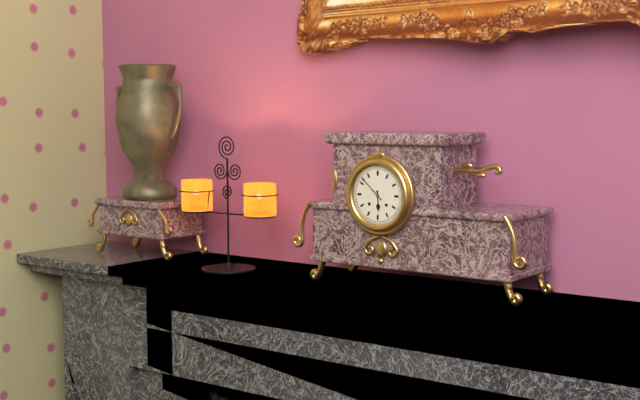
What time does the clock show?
5:52
